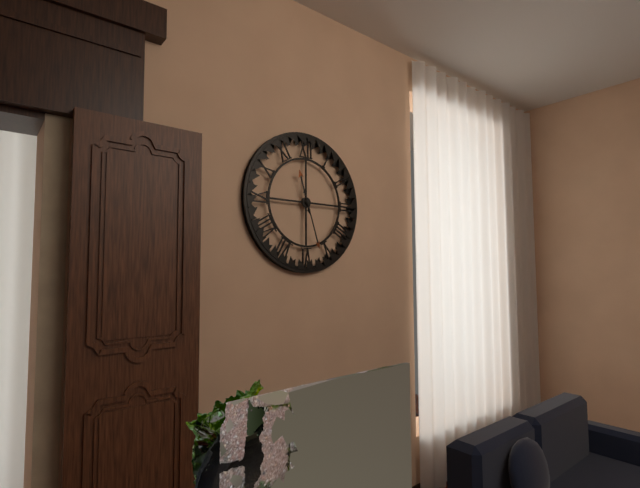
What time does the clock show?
11:27
